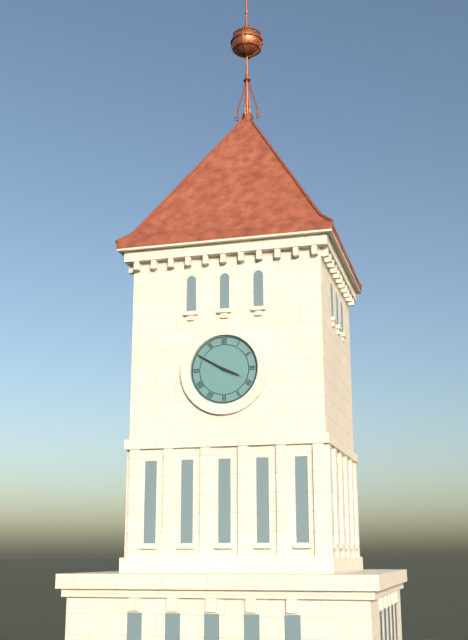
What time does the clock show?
3:50
